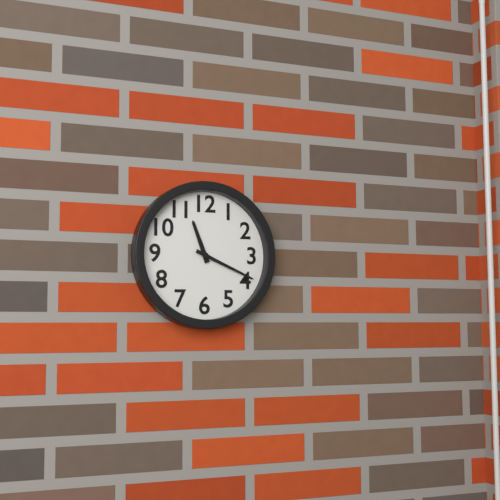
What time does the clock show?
11:19
